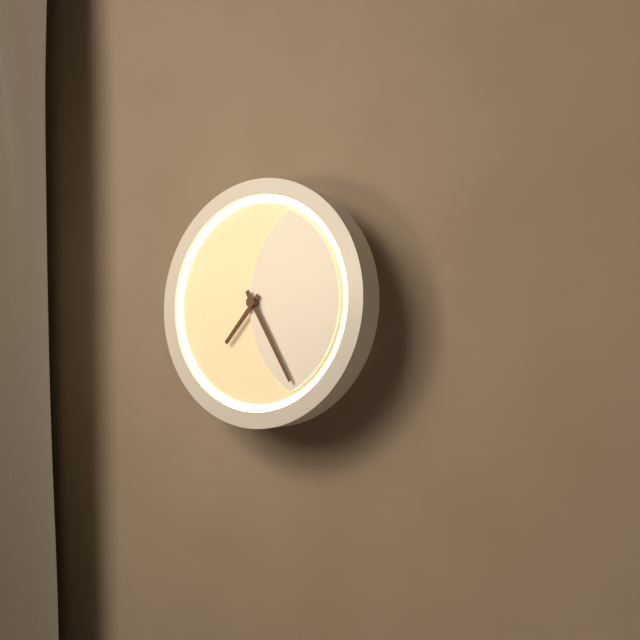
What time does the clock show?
7:25
